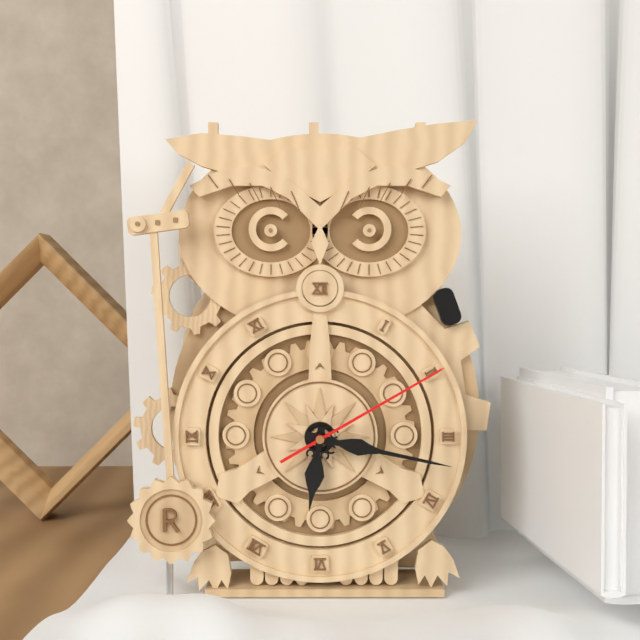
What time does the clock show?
6:17:10
